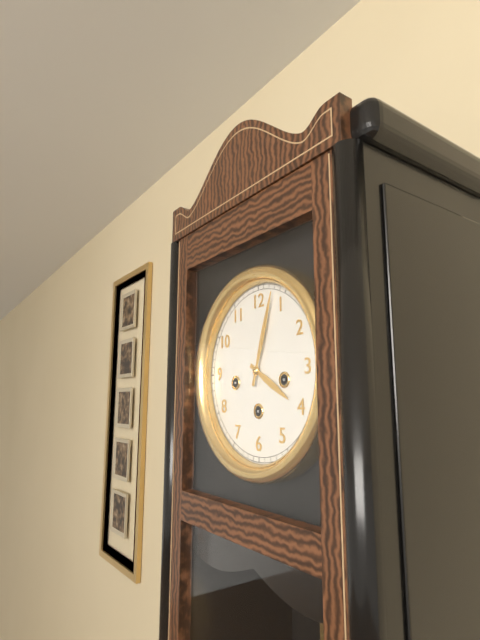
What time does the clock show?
4:03
